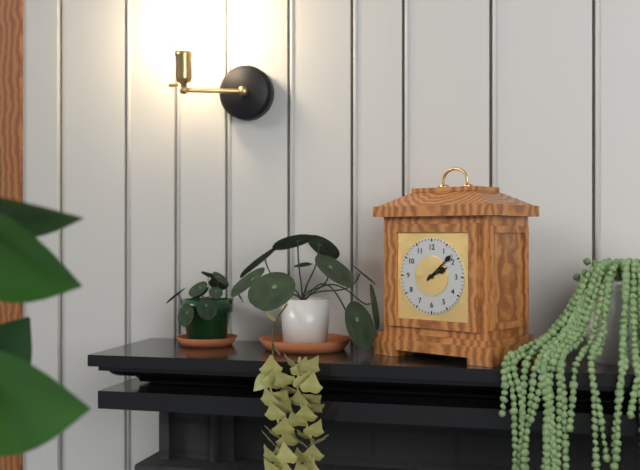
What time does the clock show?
2:08
